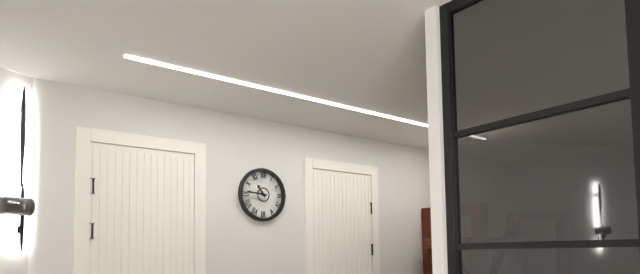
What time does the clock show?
10:46
